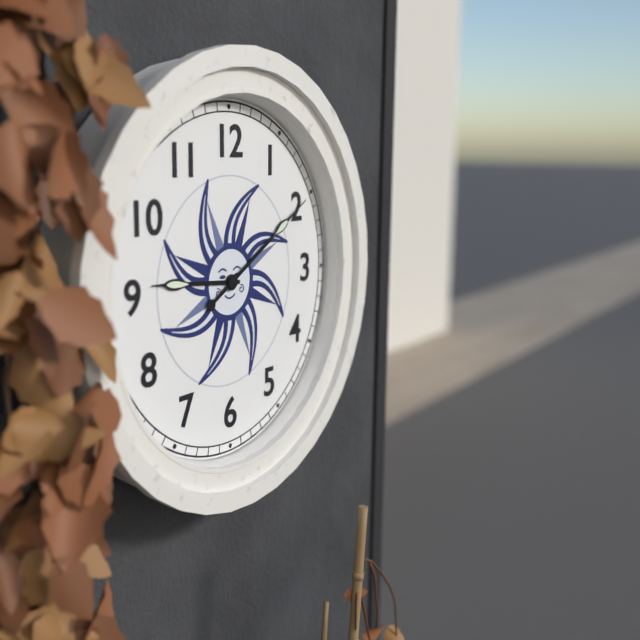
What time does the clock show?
9:10
